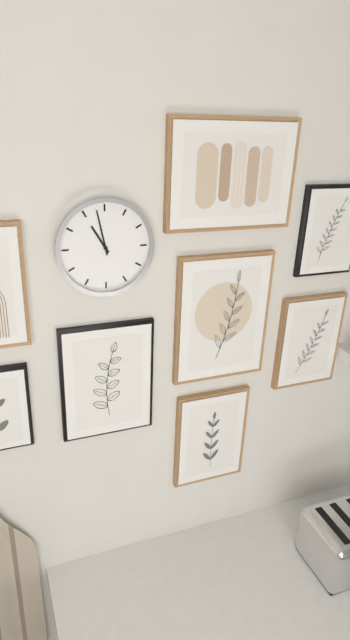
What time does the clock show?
10:58
